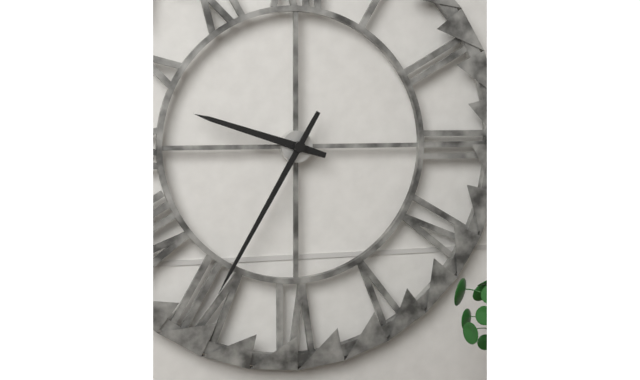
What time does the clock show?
9:35
